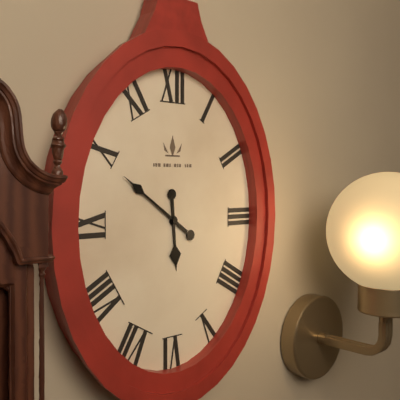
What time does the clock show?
5:51
